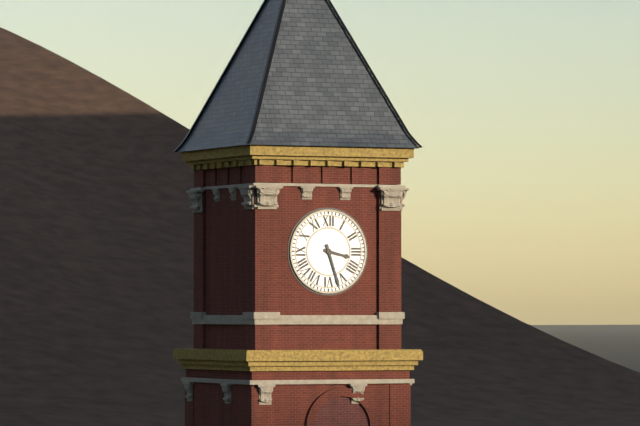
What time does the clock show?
3:27
